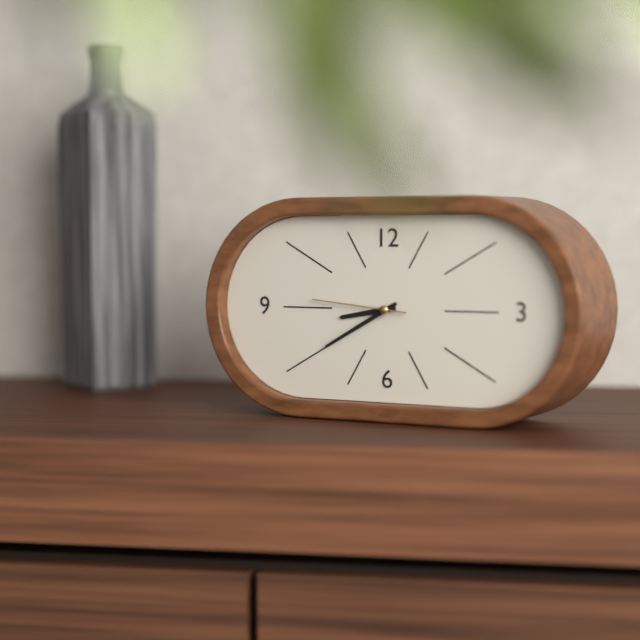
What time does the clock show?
8:40:46
